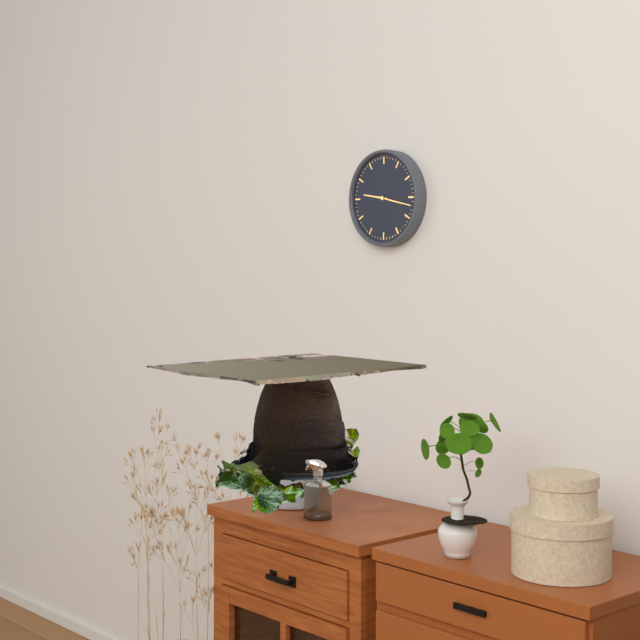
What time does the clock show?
9:17
